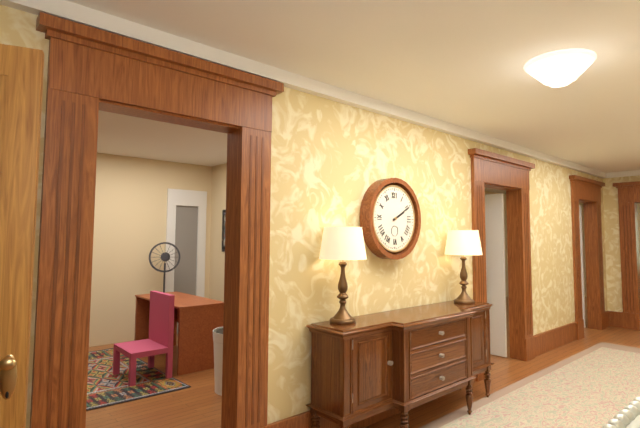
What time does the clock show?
2:10
